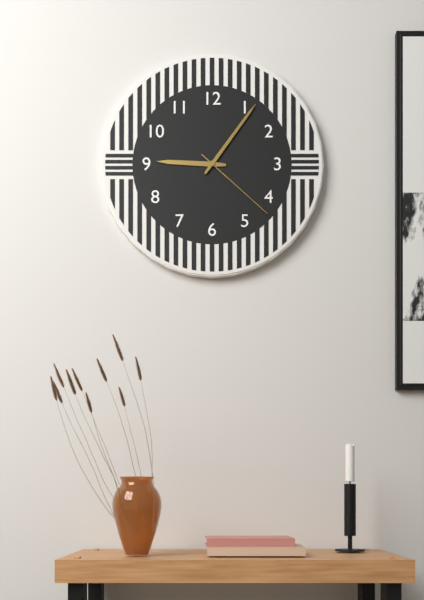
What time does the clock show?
9:06:22
